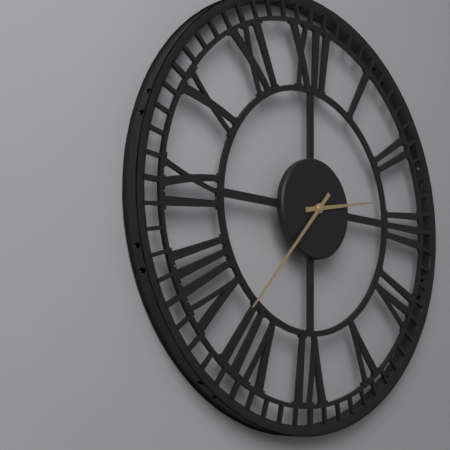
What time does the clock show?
2:37
